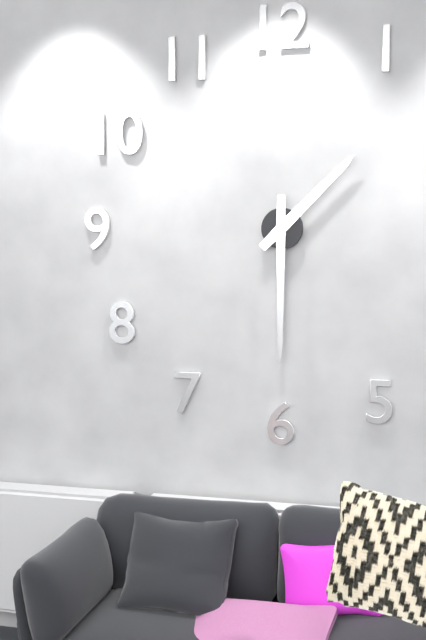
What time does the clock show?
1:30
